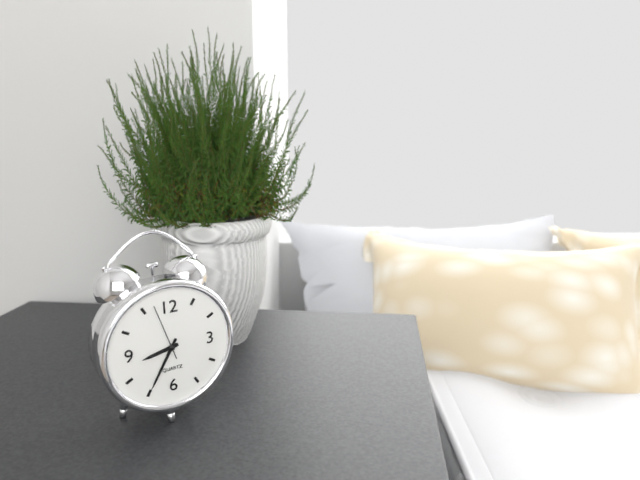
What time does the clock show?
8:35:57
